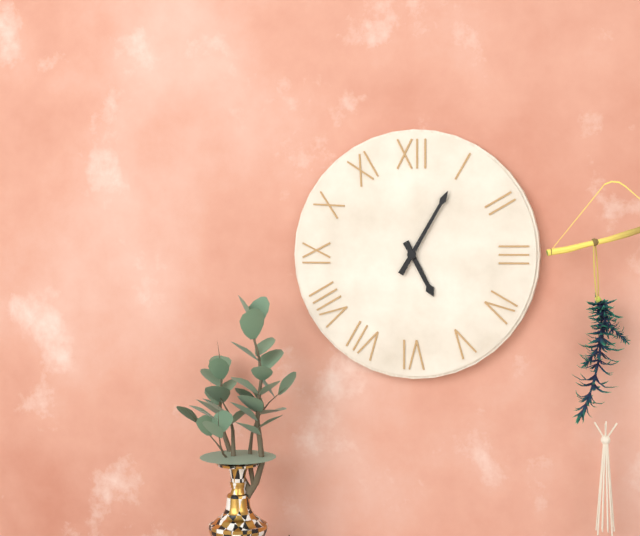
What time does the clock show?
5:05
